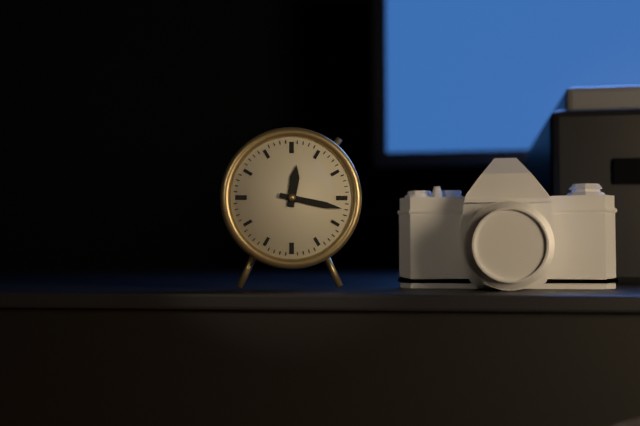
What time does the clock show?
12:17
